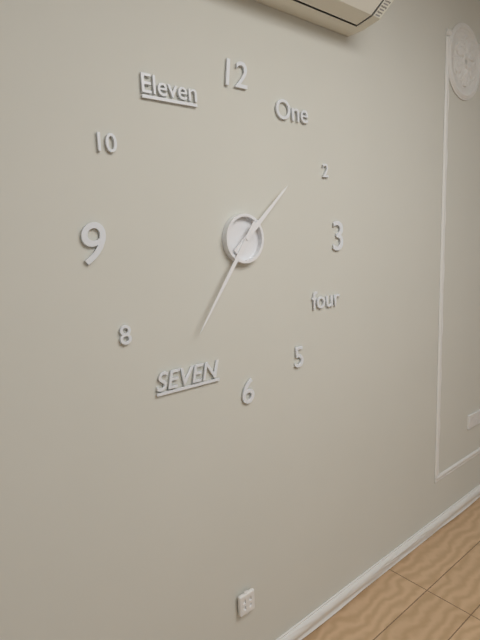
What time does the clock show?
1:36
